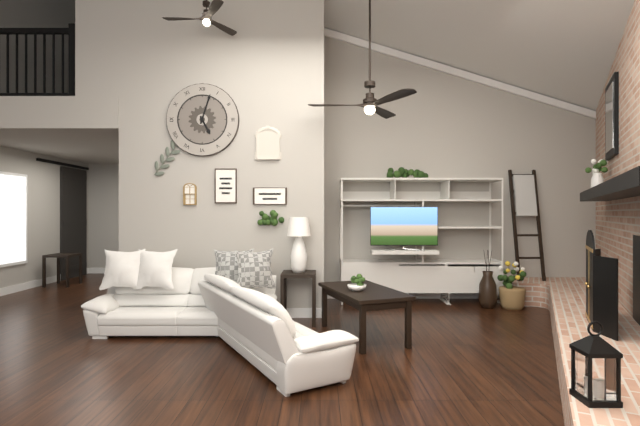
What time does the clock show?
5:03
